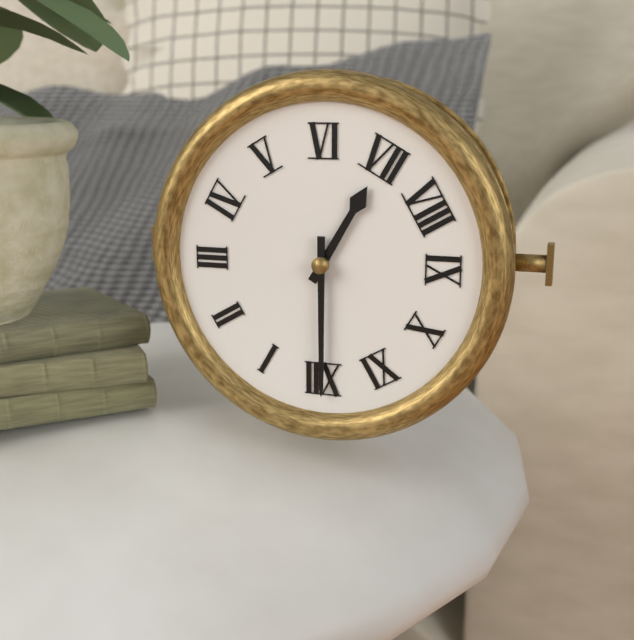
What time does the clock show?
7:00
